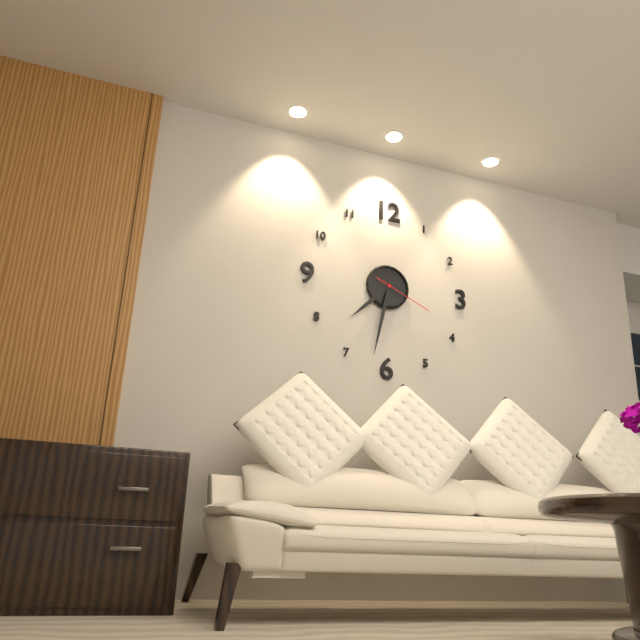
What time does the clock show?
7:32:19
